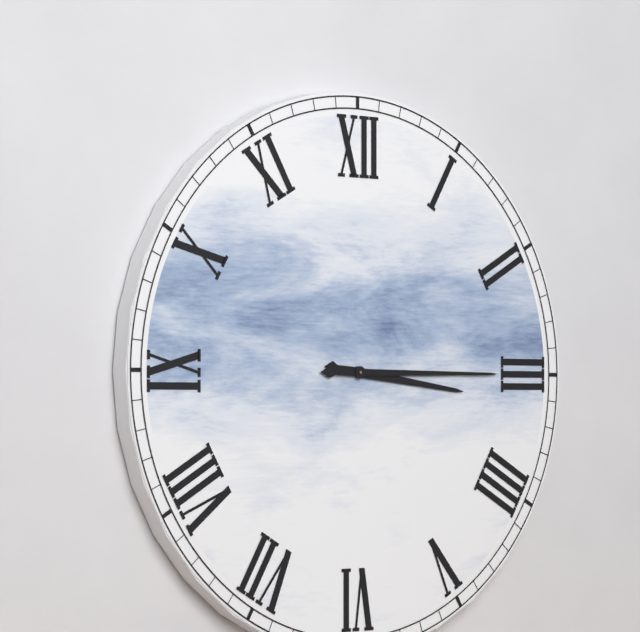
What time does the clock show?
3:15
